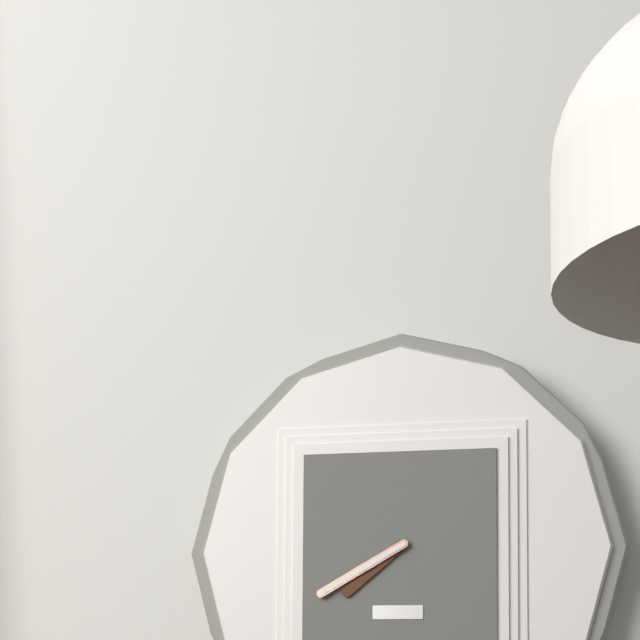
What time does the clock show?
7:40
